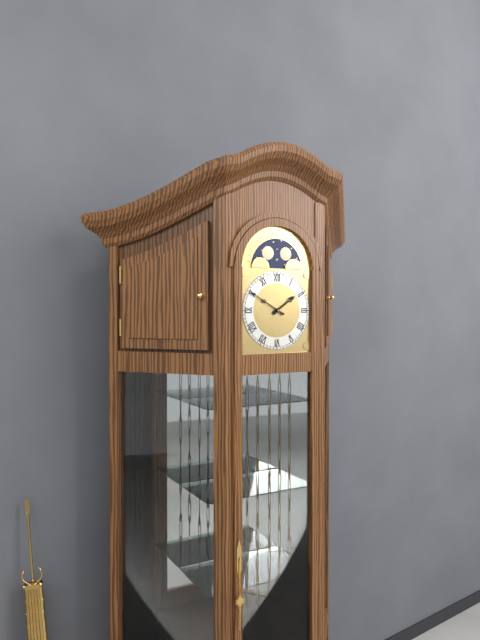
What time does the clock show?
1:50
